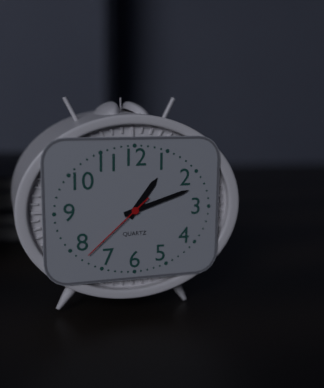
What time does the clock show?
1:12:38
